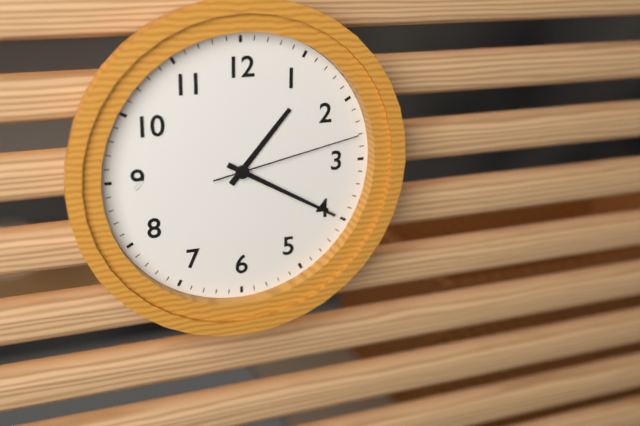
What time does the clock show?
1:20:13
